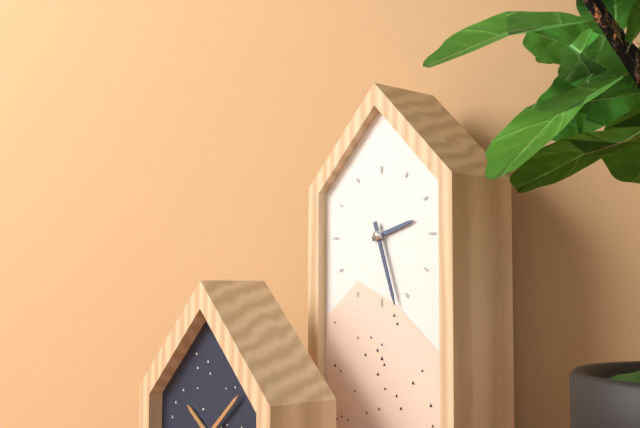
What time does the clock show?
2:27
